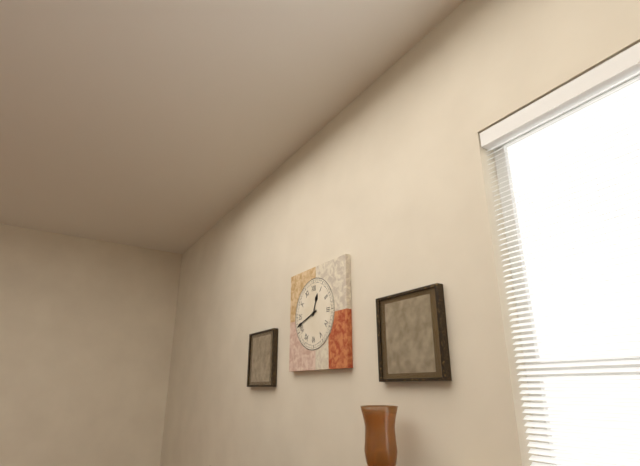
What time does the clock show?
12:42
